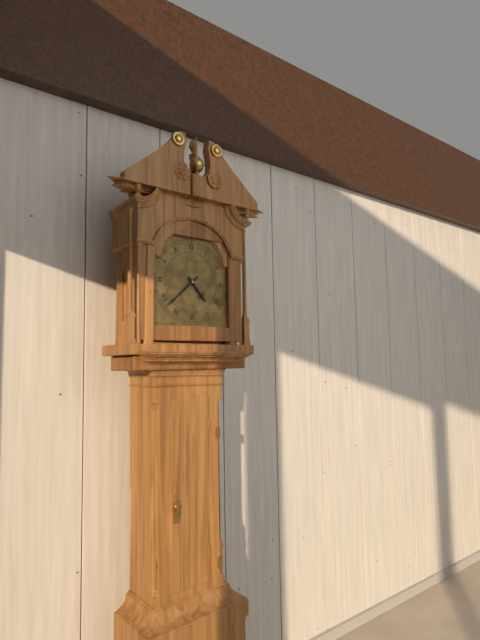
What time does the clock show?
4:38
